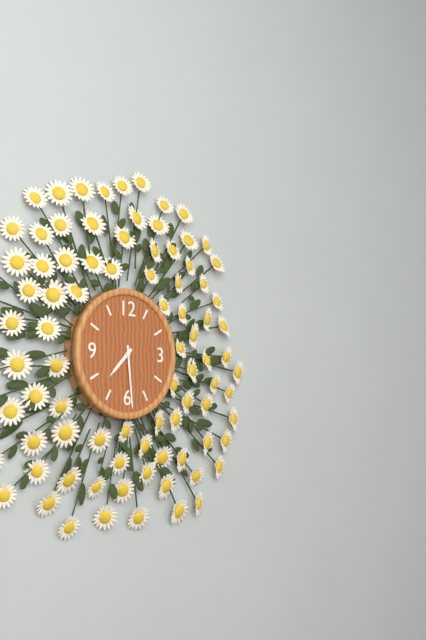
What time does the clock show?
7:29
